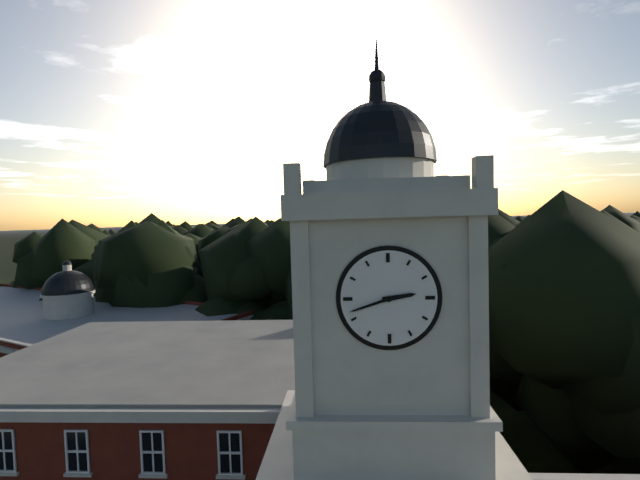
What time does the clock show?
2:42
